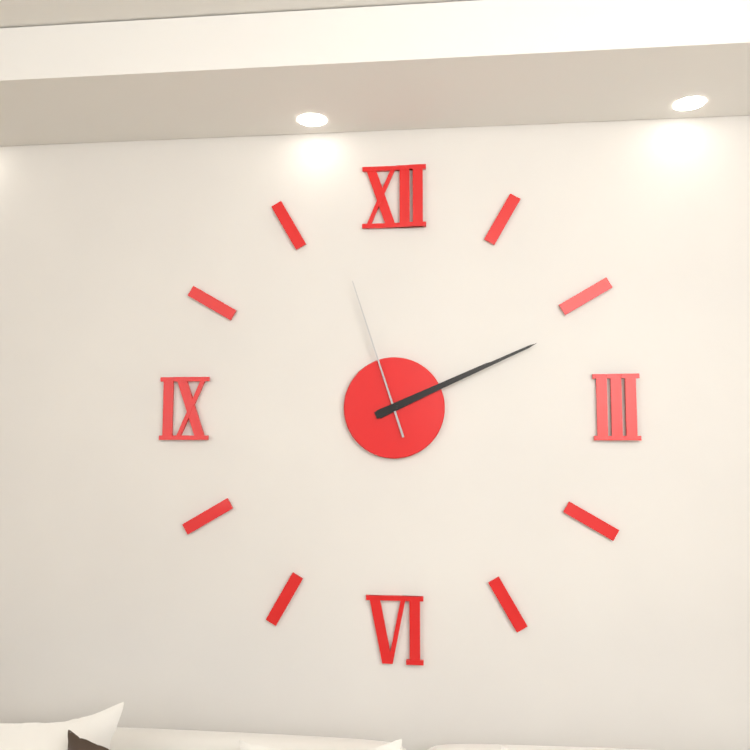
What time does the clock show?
2:11:57
